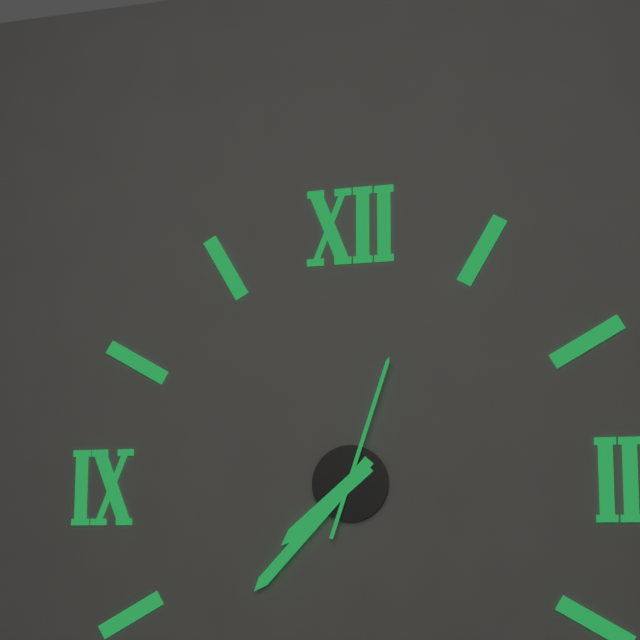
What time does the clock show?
7:37:03
